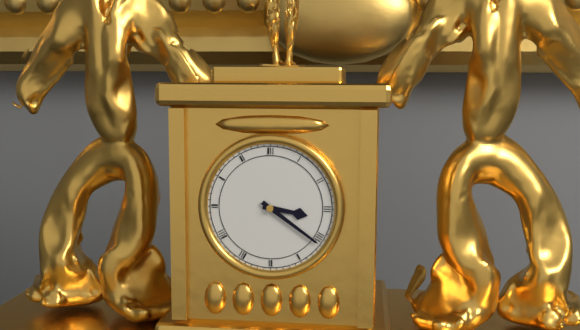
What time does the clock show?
3:21
